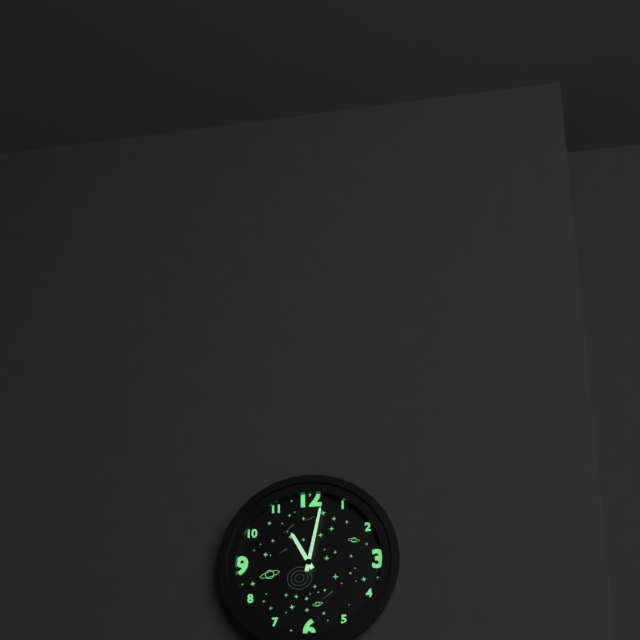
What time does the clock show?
11:02
